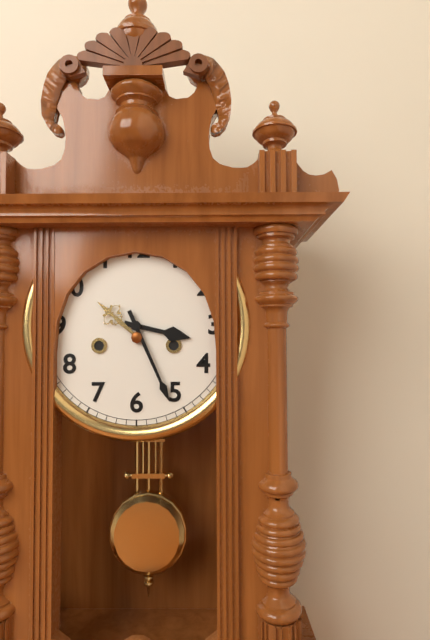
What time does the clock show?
3:26
